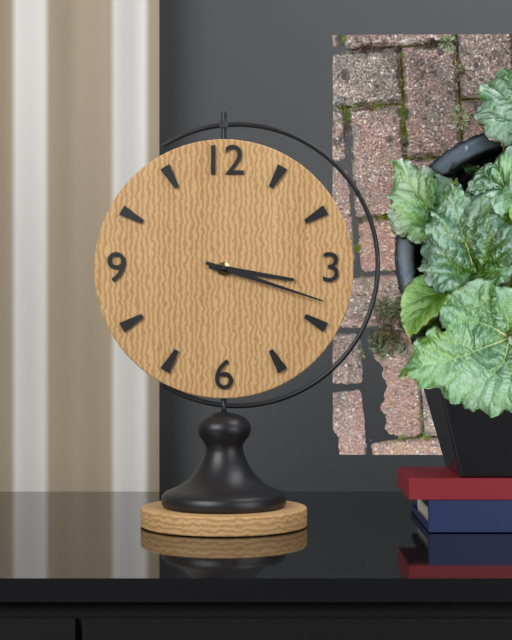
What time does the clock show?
3:18
